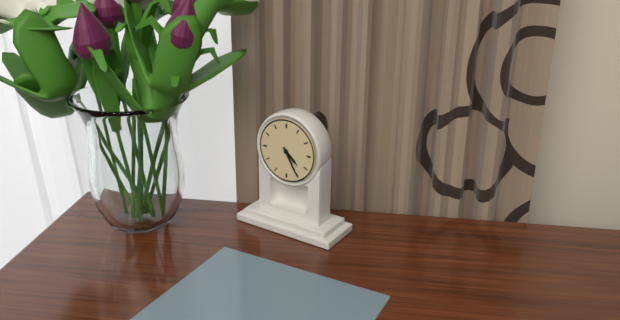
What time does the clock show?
4:25
